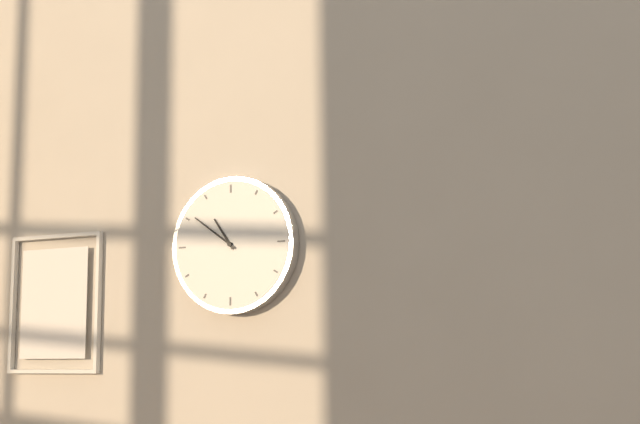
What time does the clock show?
10:51
